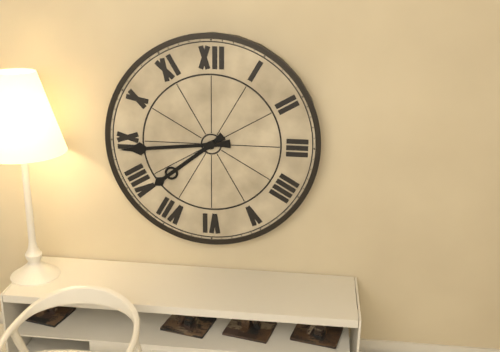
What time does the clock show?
7:44
